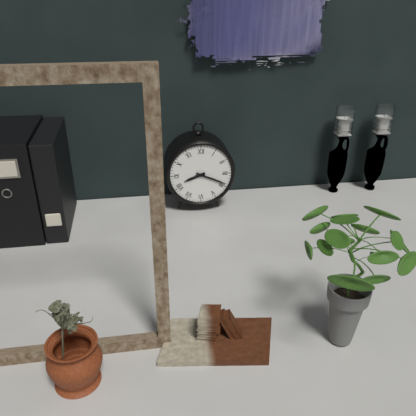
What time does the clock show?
8:19
